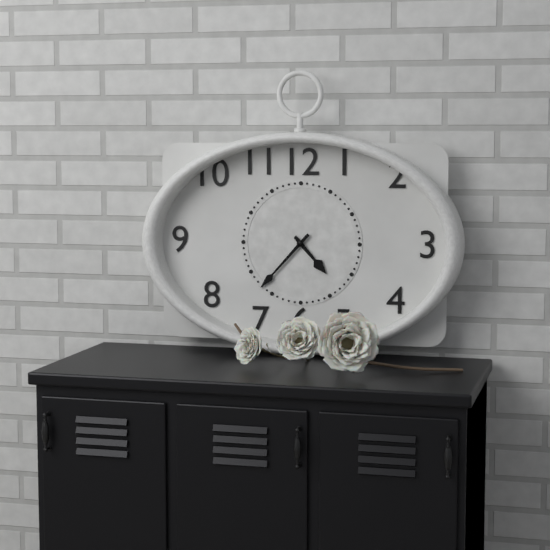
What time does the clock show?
4:37
